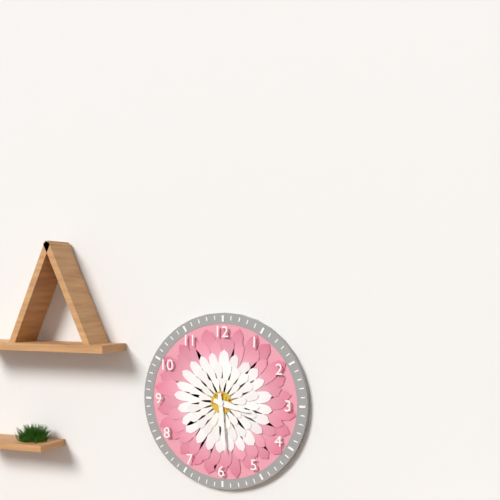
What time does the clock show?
3:29
